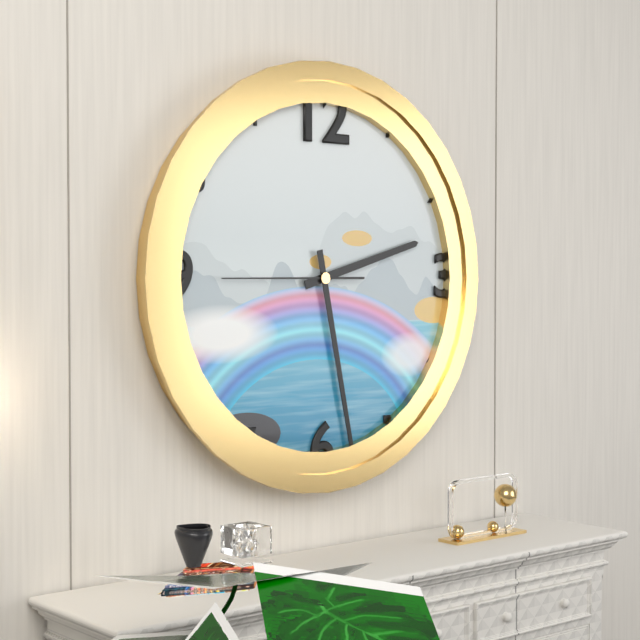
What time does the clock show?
2:28:45
